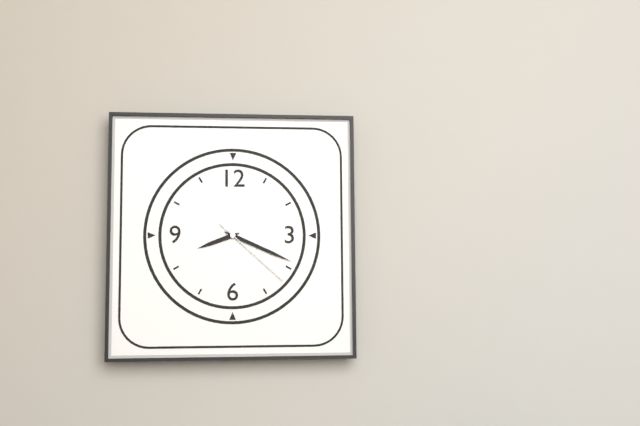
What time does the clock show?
8:19:22
